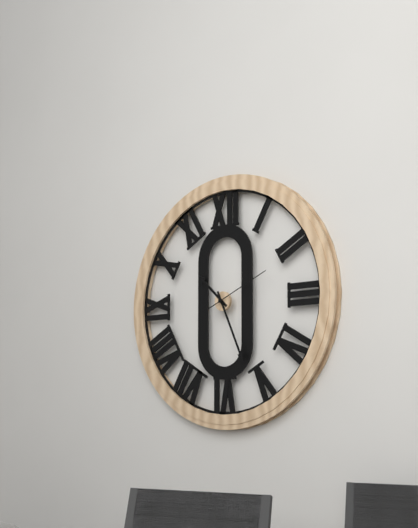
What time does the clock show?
10:26:11
